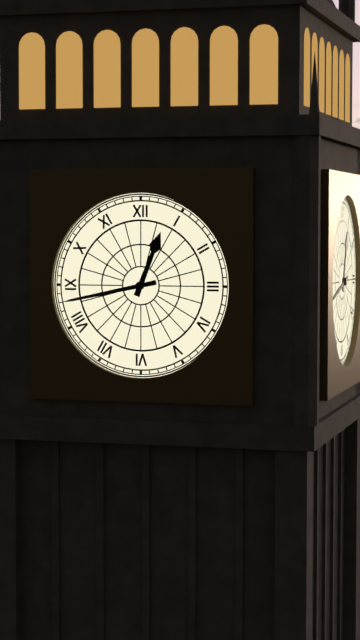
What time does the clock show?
12:43
